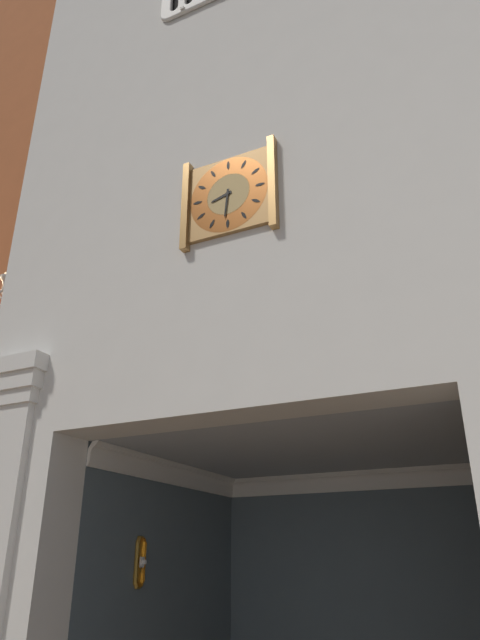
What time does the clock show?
8:31
